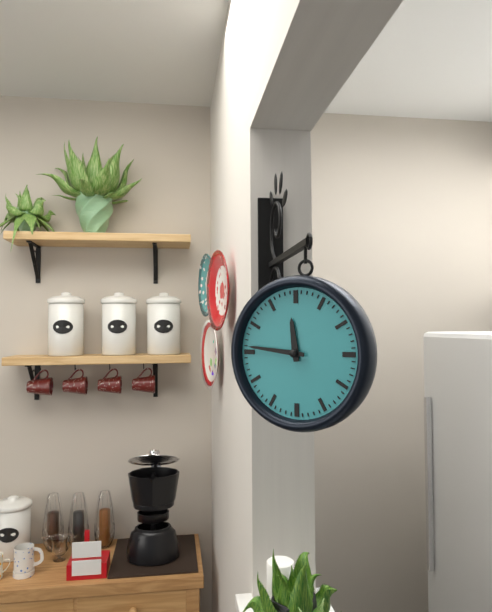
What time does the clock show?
11:46
